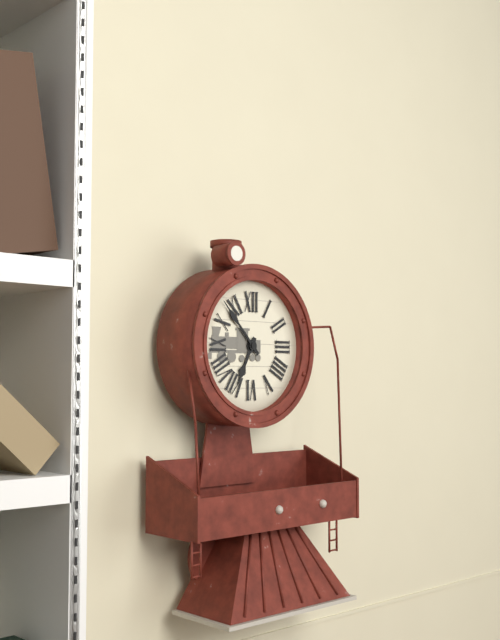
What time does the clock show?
6:53
